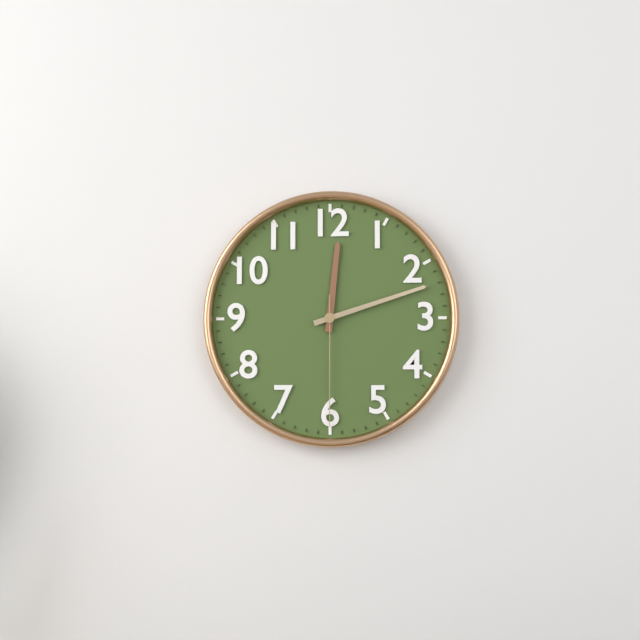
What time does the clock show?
12:12:30
